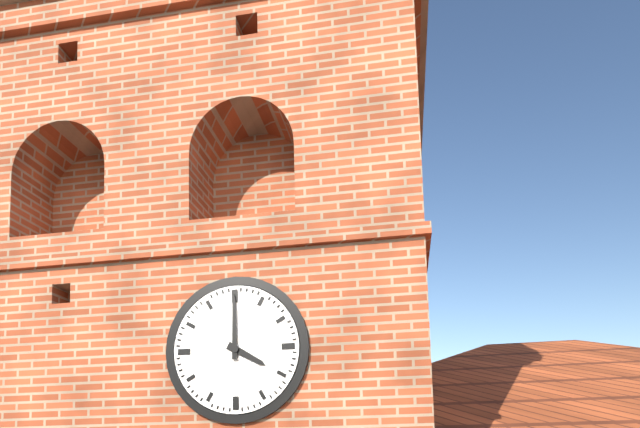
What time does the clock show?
4:00
